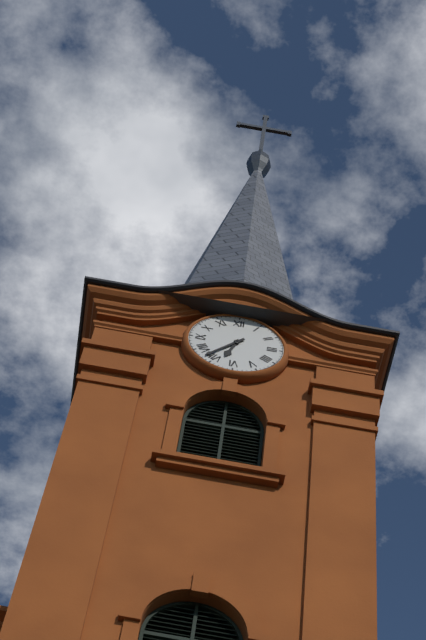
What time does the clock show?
6:37
